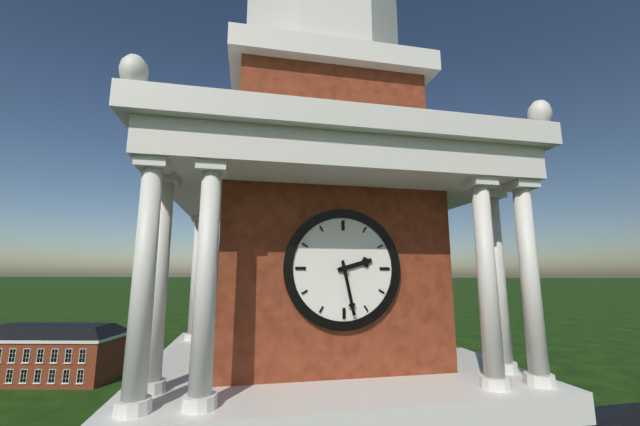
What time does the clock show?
2:28
